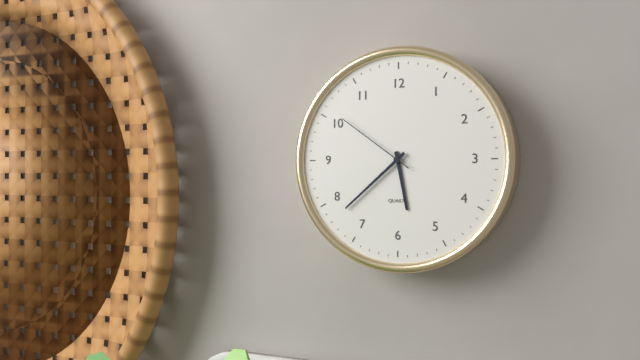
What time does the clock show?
5:38:51
